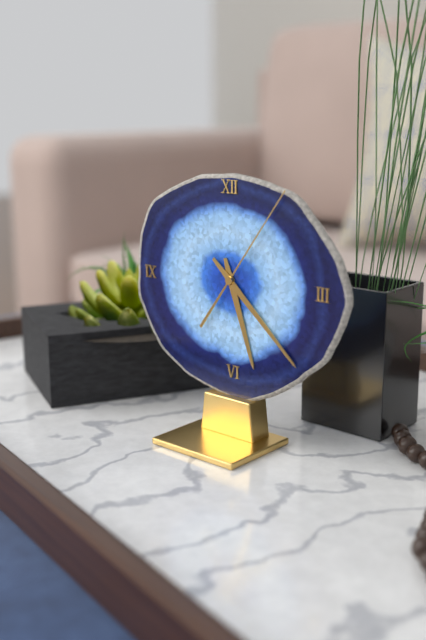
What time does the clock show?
5:22:06
